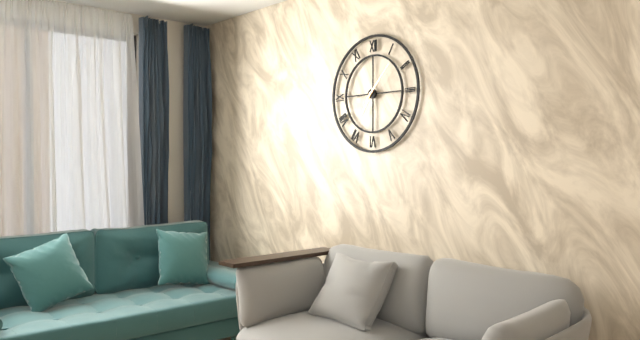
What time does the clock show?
7:07
